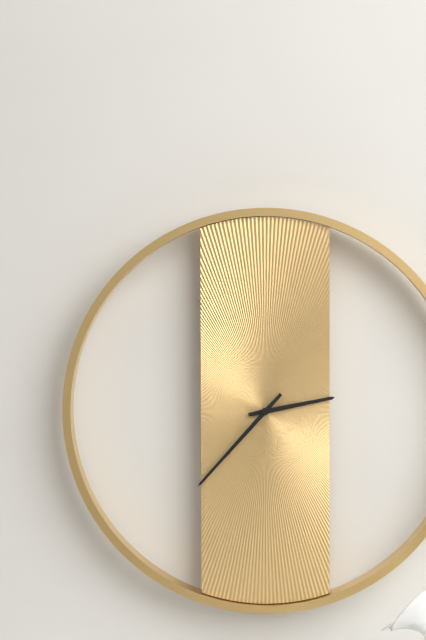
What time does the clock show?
2:37
